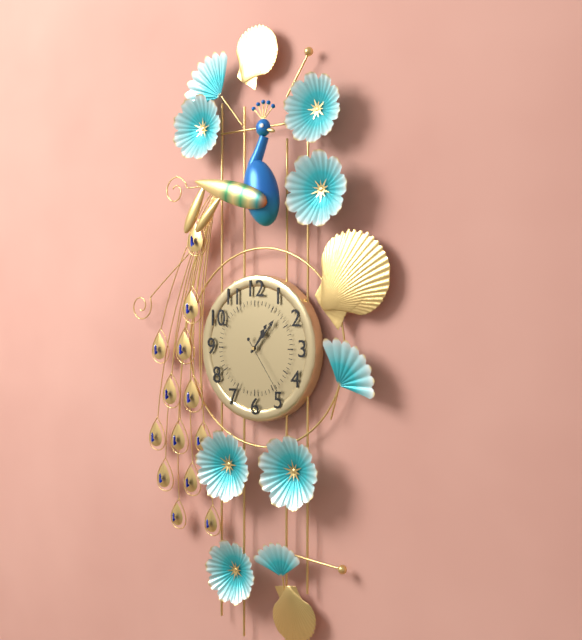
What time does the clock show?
1:07:24
